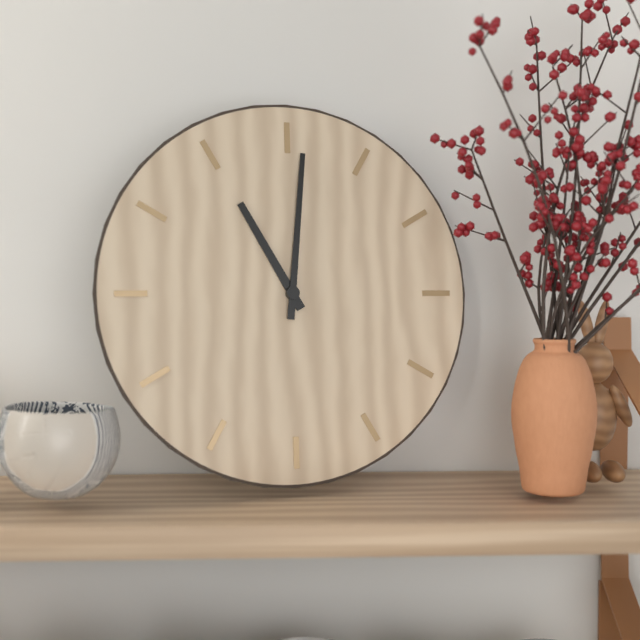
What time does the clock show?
11:01
